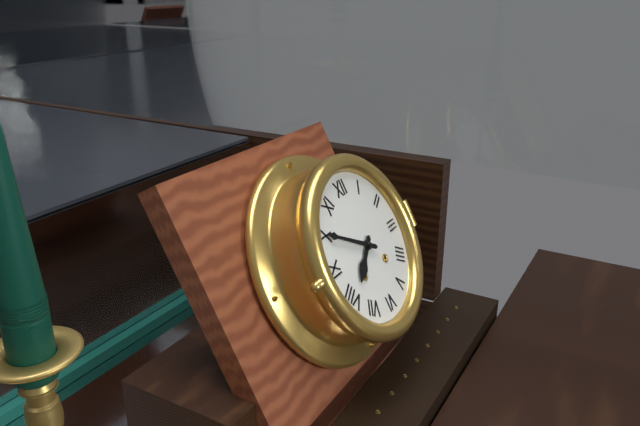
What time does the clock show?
7:50
